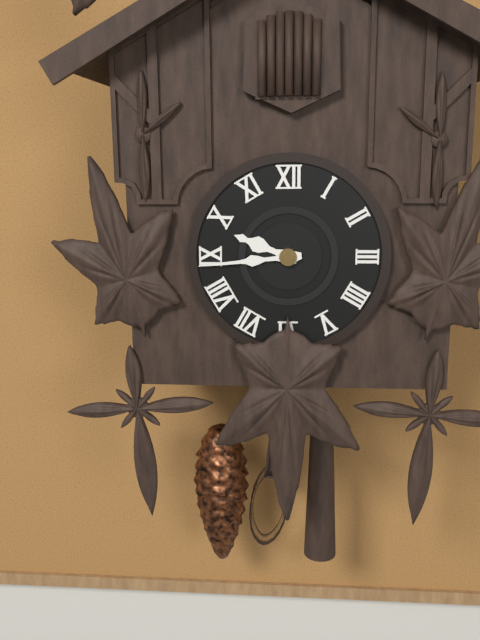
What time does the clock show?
9:44
